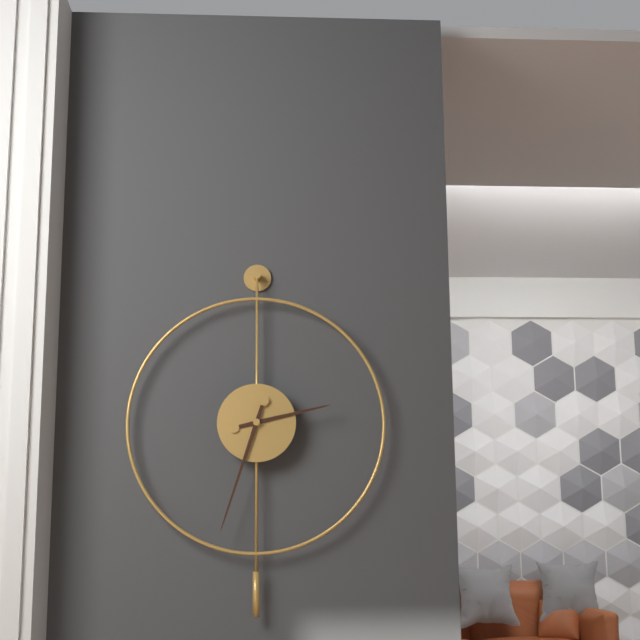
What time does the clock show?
2:33
